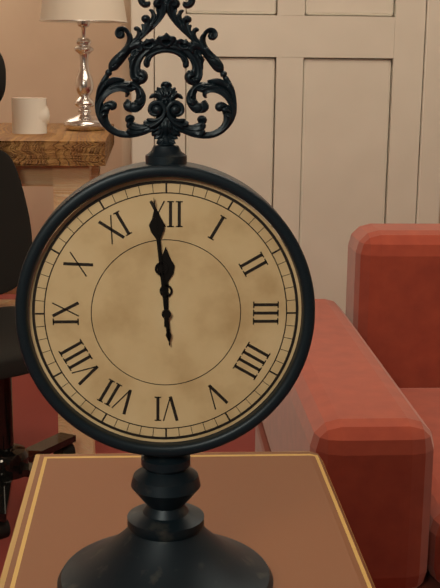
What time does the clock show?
11:59:59
